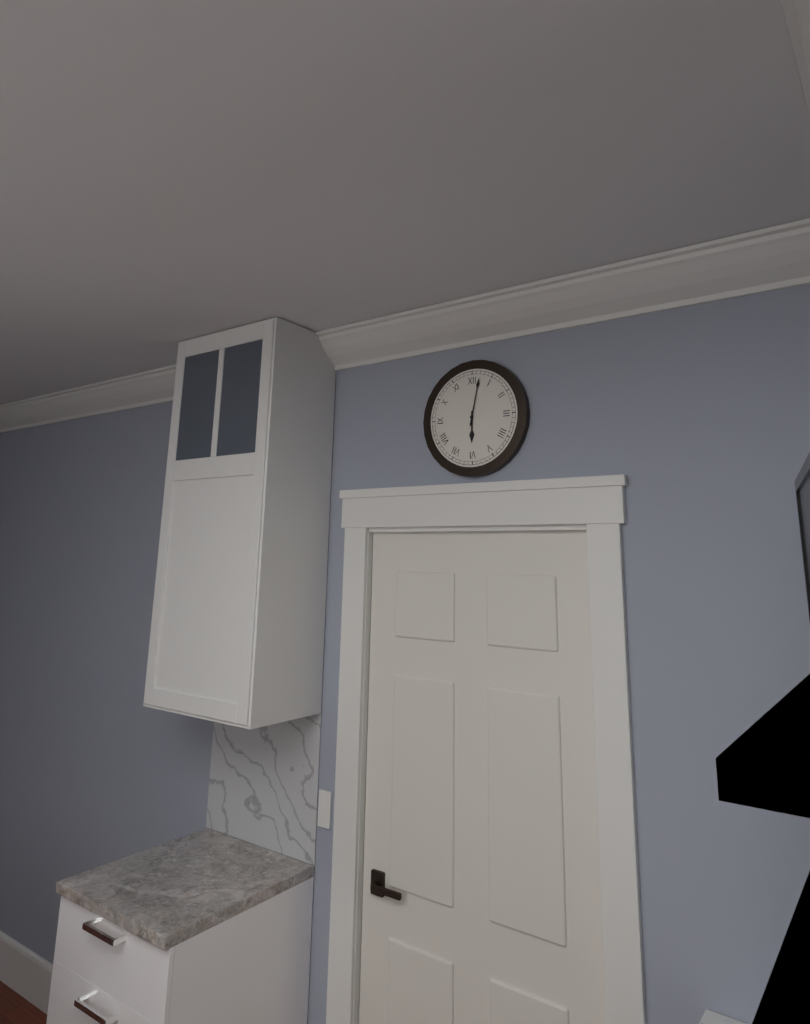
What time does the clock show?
6:02
